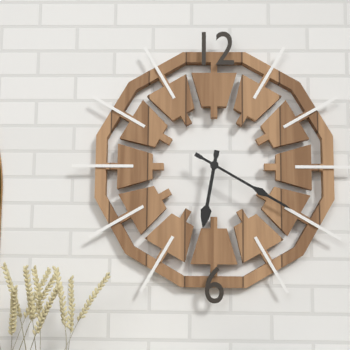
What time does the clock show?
6:20
